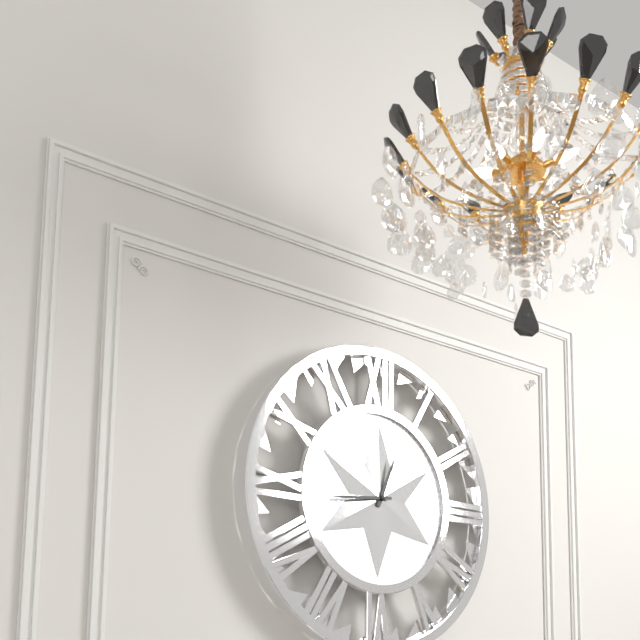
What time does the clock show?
12:44
